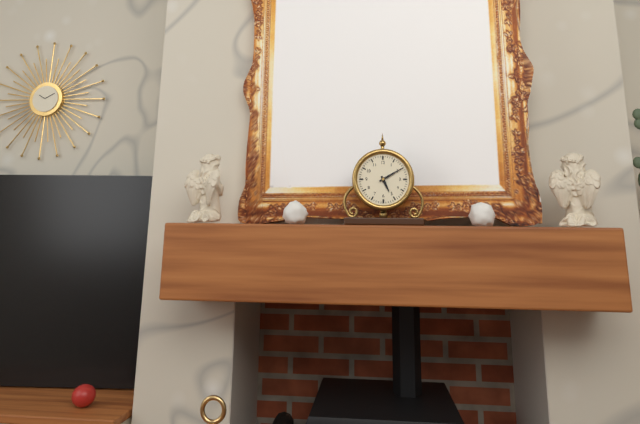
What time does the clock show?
5:10
